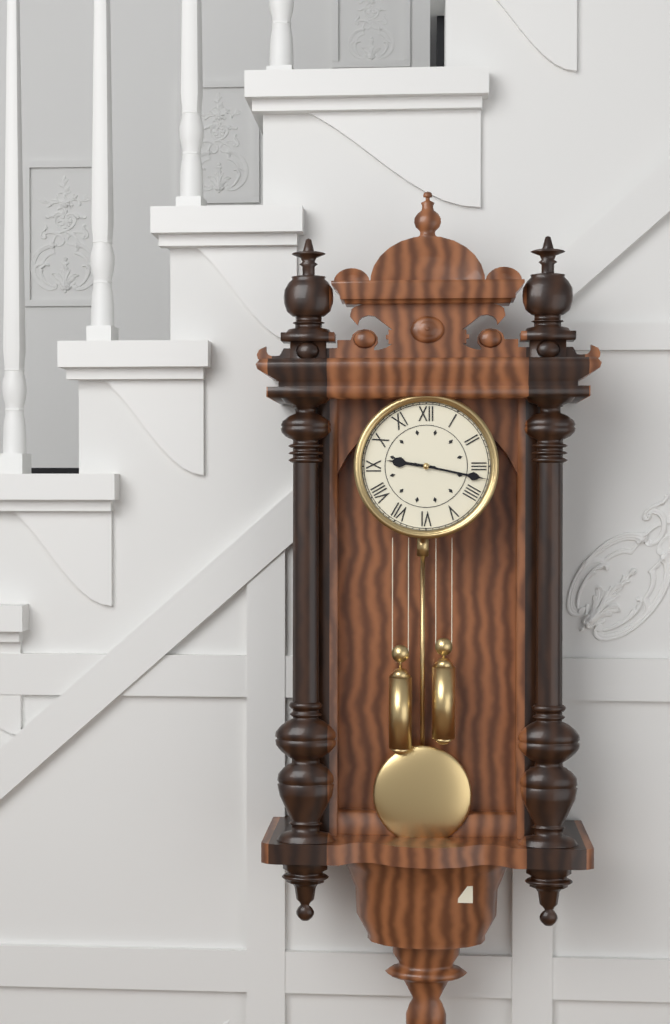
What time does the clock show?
9:17
